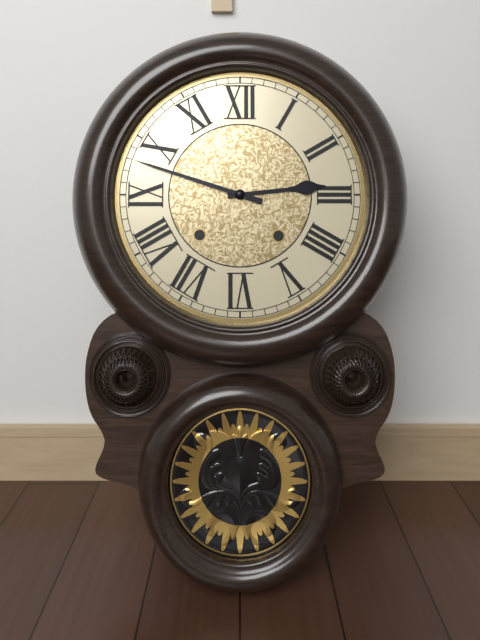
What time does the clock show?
2:48
